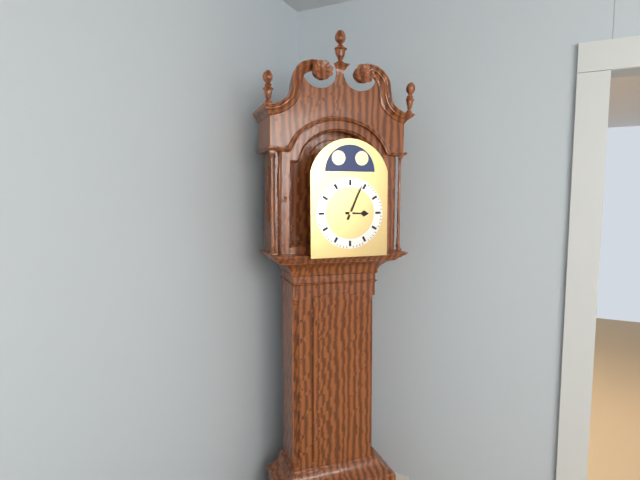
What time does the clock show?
3:04
